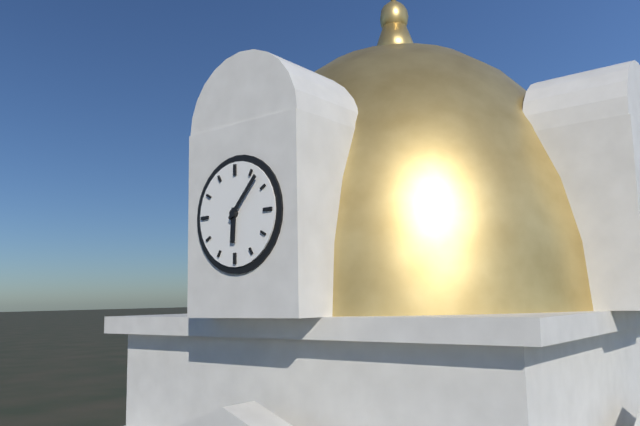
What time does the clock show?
6:07
